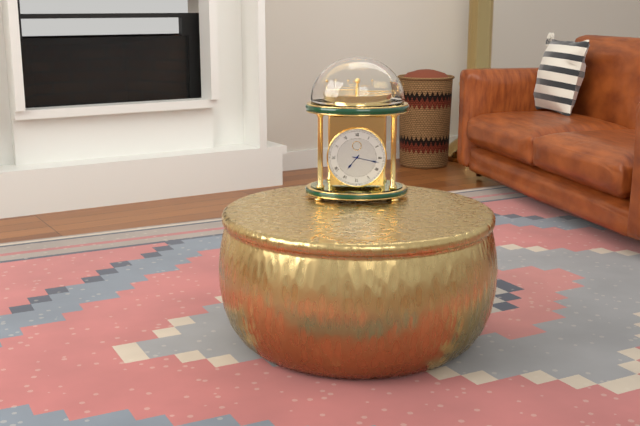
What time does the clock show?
7:17
